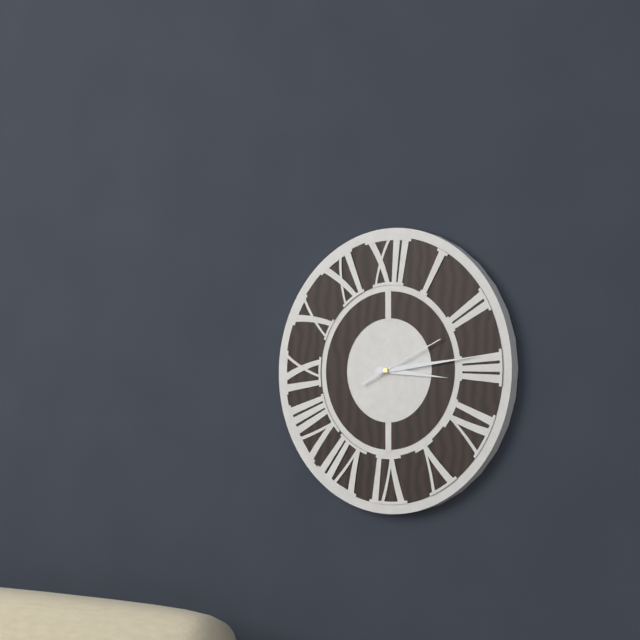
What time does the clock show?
3:14:11
